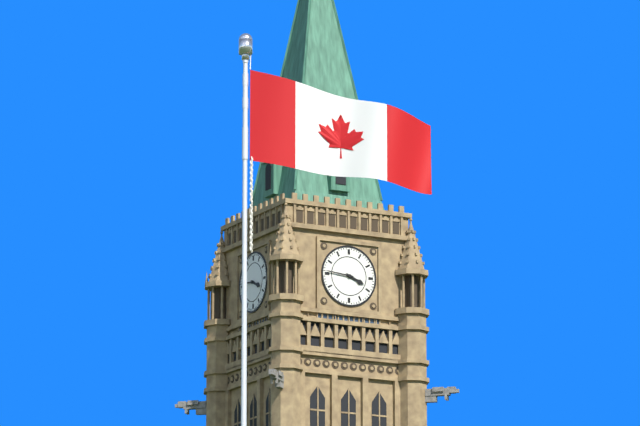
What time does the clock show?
3:46
